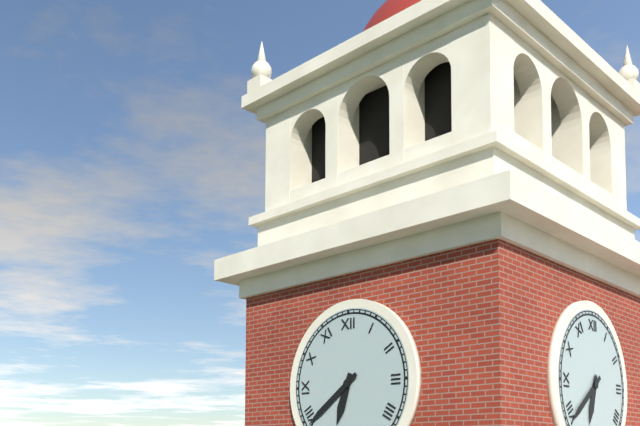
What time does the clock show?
6:39
